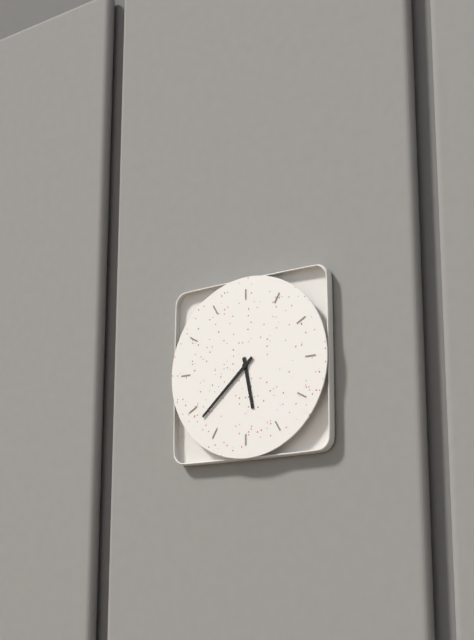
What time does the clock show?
5:38
